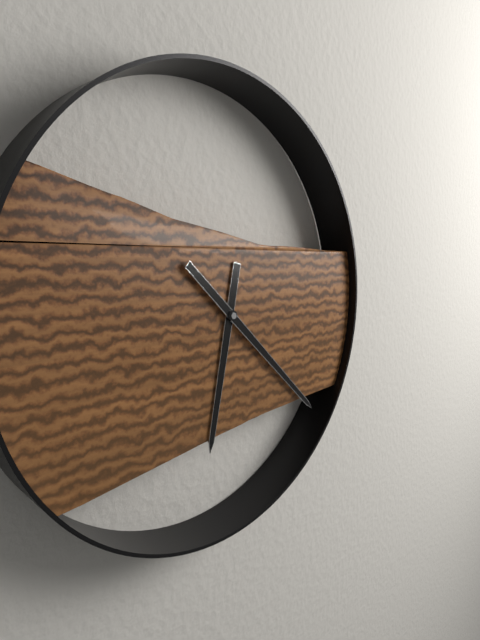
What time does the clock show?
6:22
